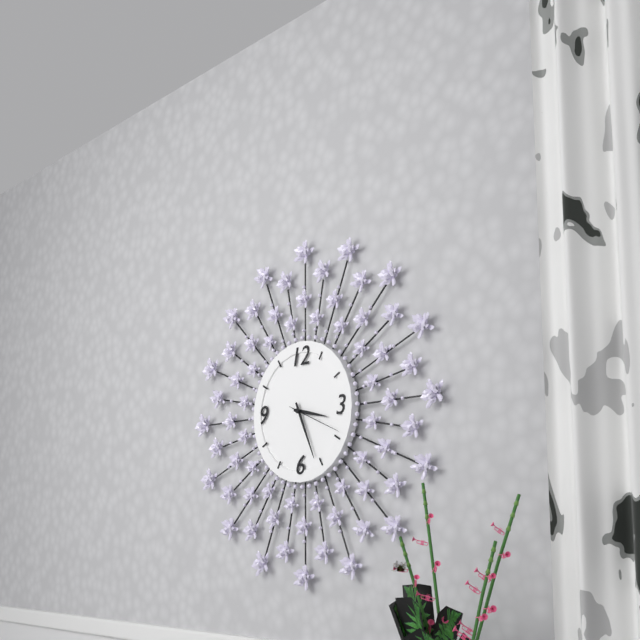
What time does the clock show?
3:26:19
